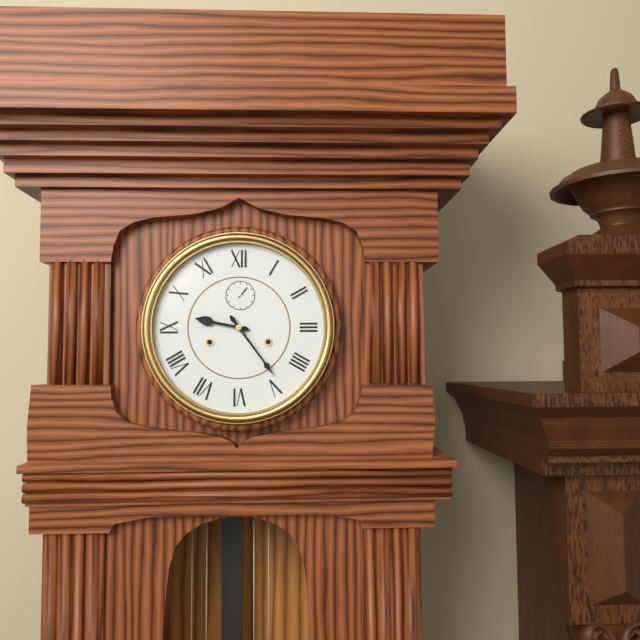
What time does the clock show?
9:24
